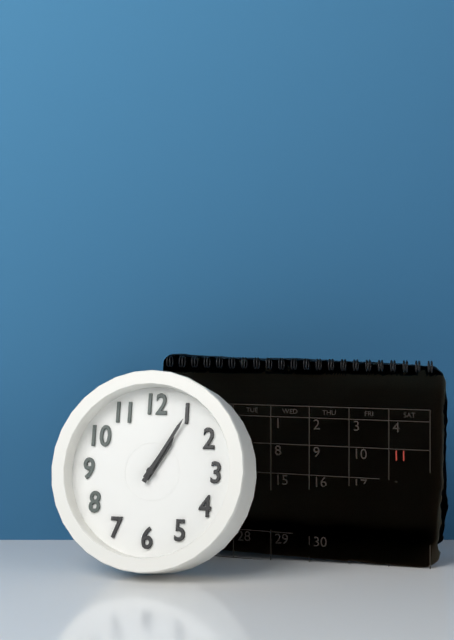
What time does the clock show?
1:05
